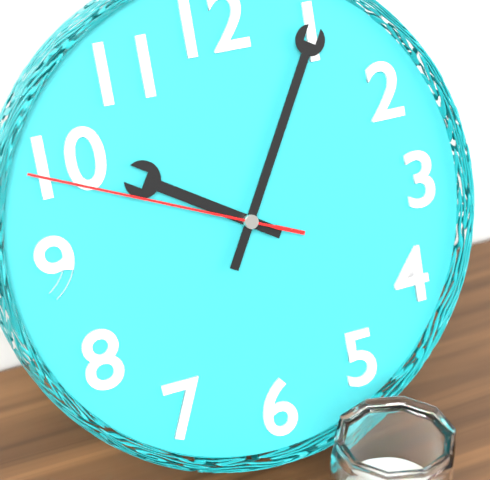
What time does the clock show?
10:05:49
